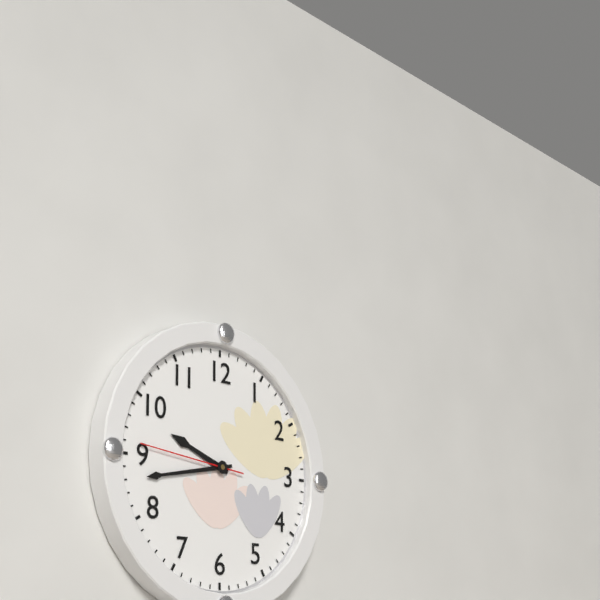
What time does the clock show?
9:43:46
